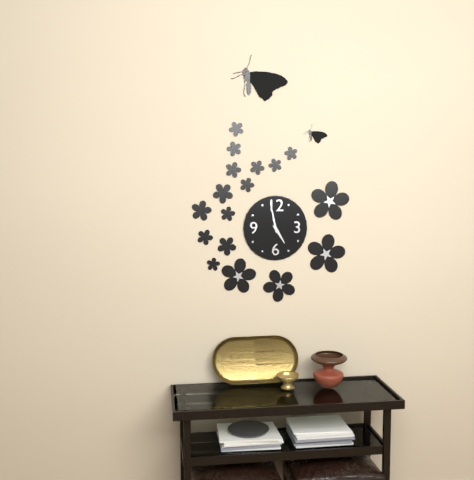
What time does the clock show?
4:58
